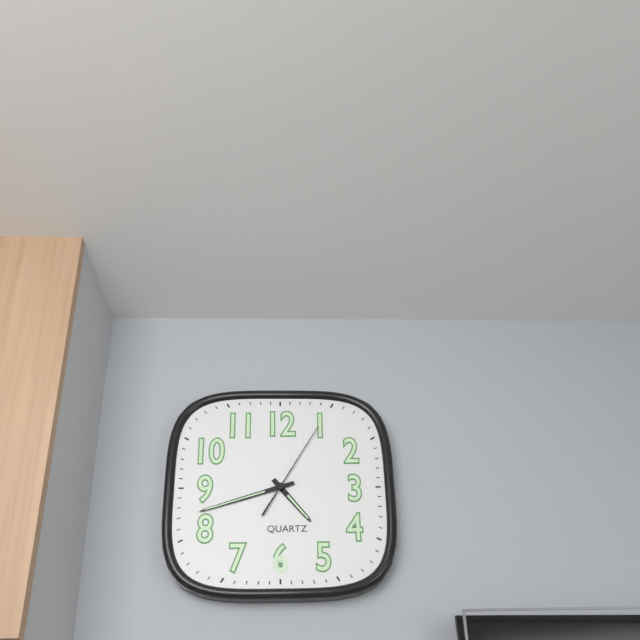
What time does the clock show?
4:42:05
